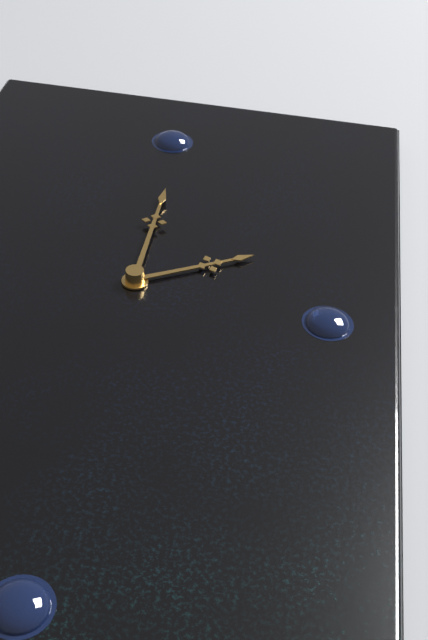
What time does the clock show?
2:00
